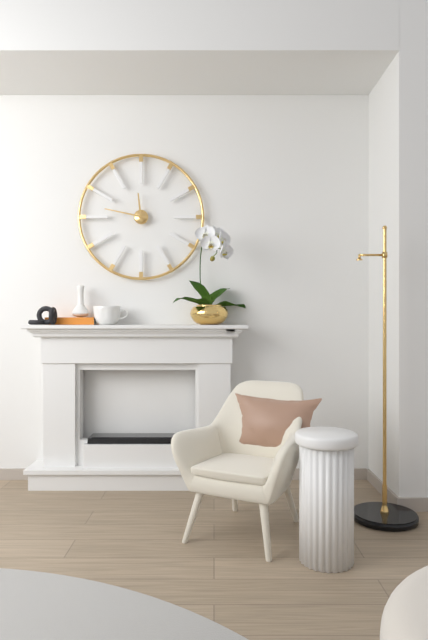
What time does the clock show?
11:47
